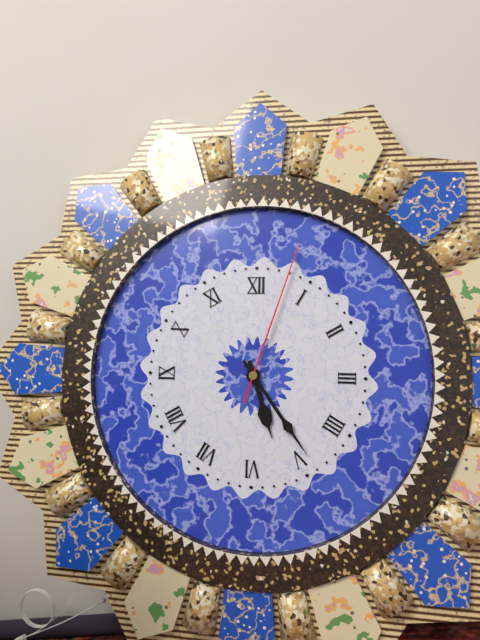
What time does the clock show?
5:24:03
